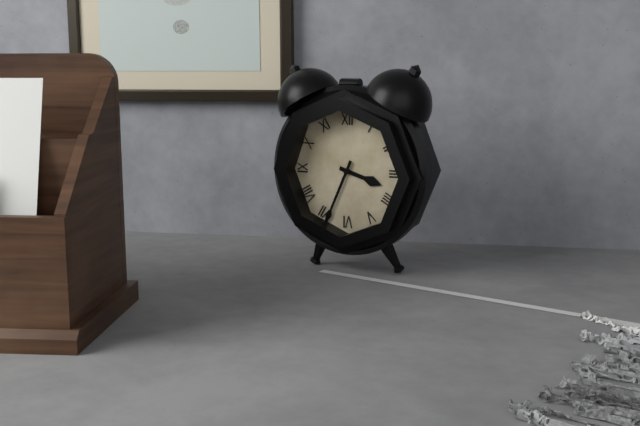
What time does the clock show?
3:34
